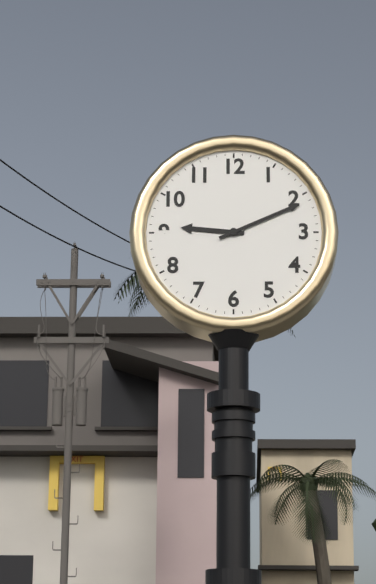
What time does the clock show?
9:11
